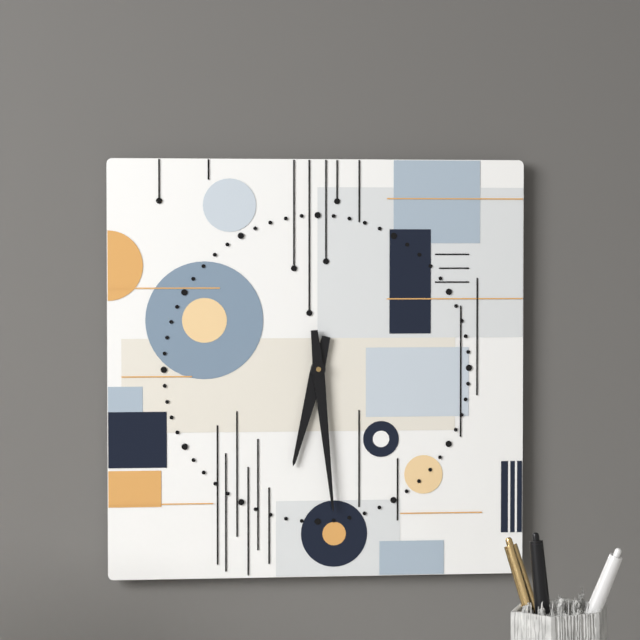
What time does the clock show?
6:29
